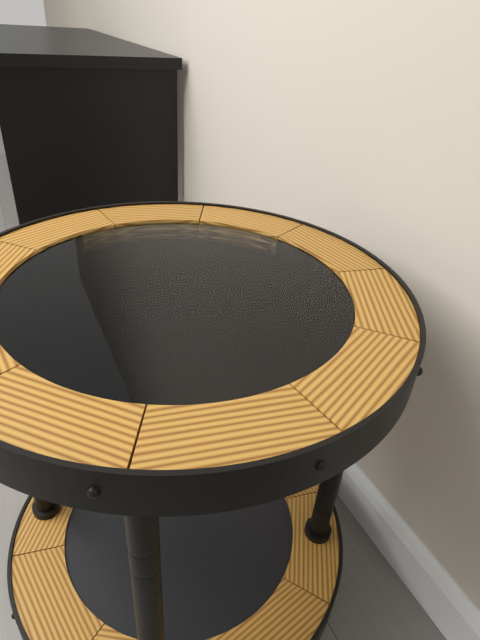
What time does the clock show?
1:41
